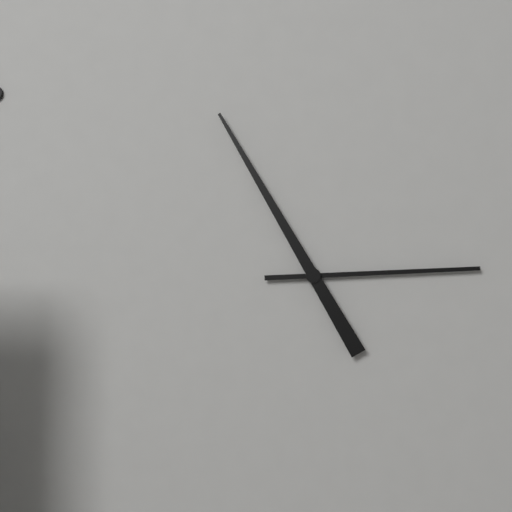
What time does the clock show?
2:55
